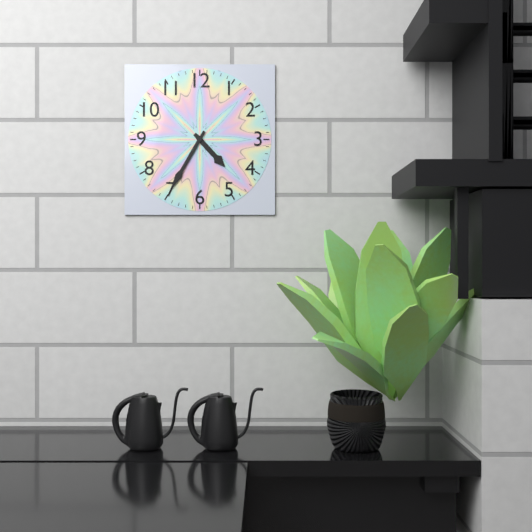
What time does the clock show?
4:35
